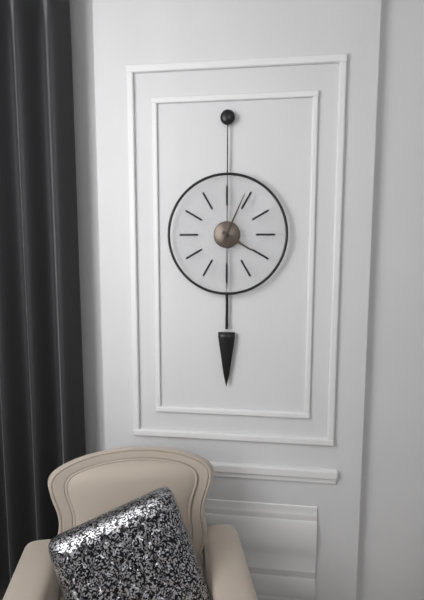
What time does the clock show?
4:04
